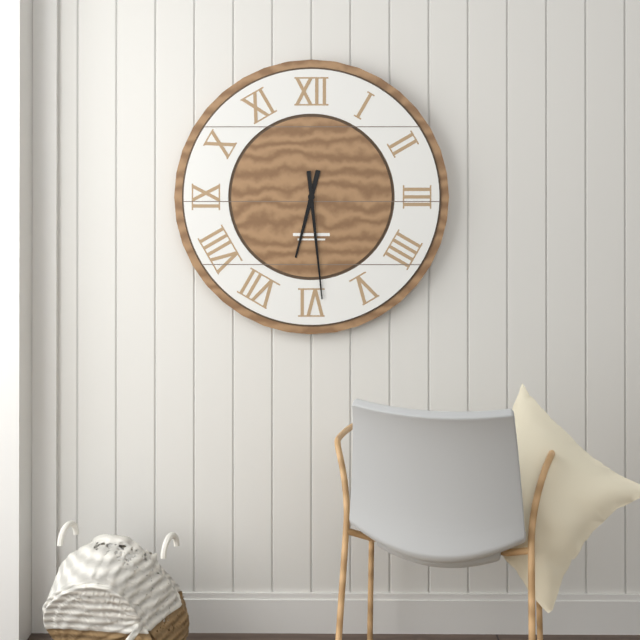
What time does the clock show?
6:29
